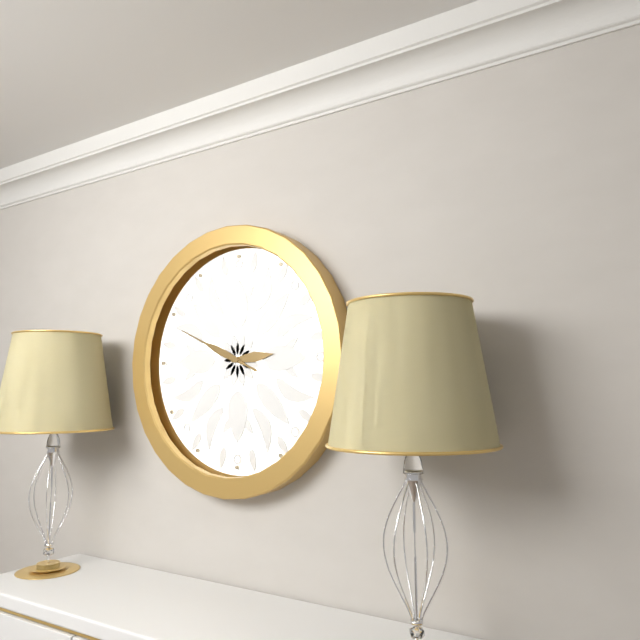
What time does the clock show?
2:49
